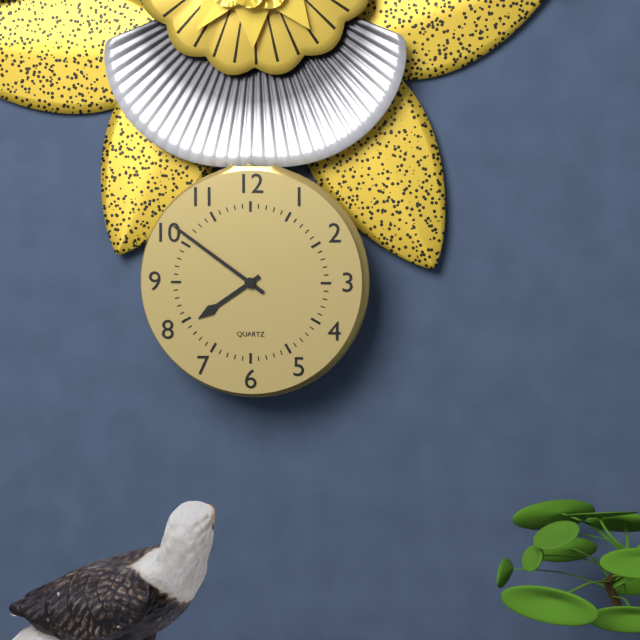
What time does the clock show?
7:51
